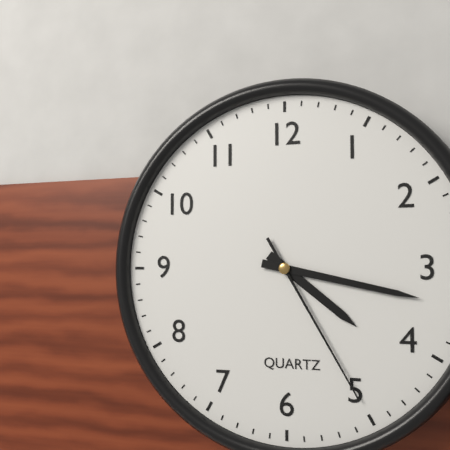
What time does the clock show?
4:17:25
